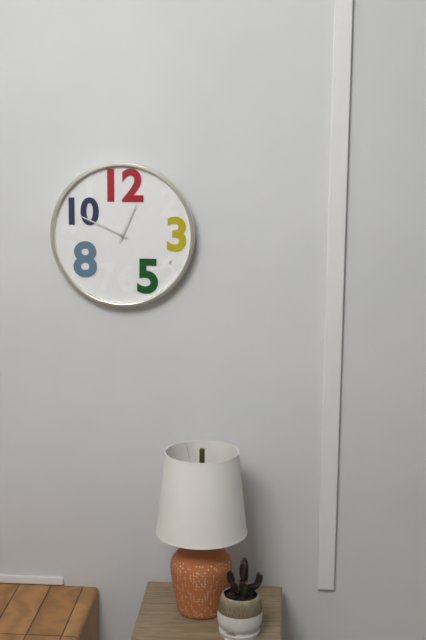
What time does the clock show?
12:49
